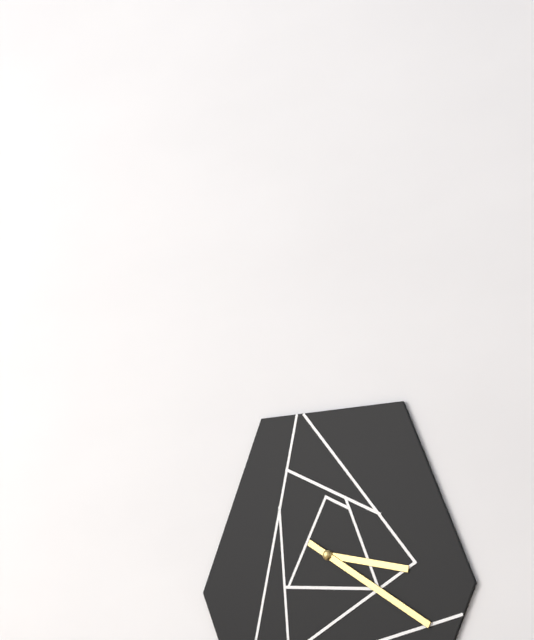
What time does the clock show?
3:20
